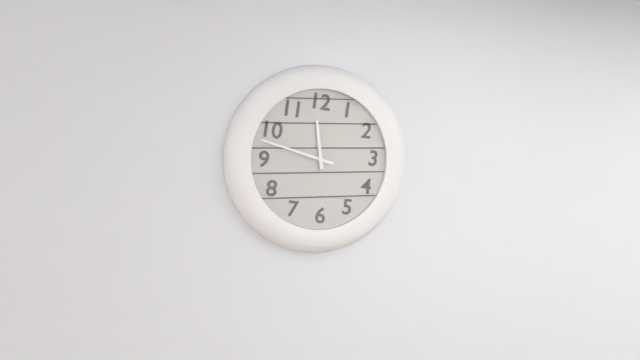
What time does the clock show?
11:48
